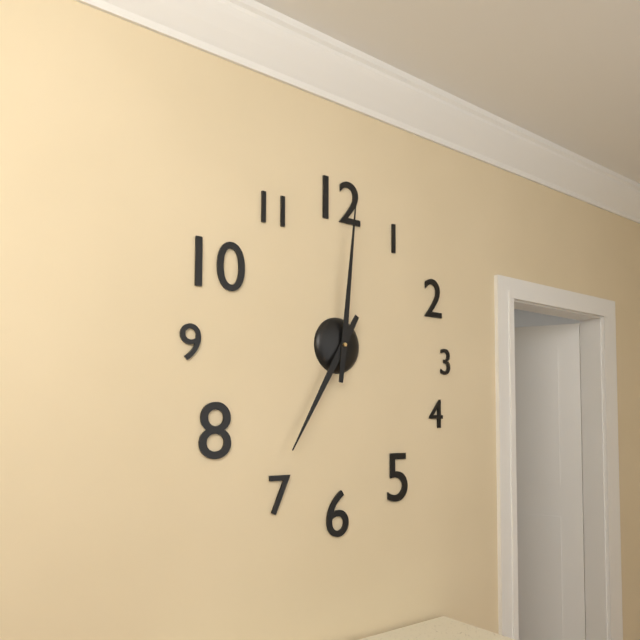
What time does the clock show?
7:01
